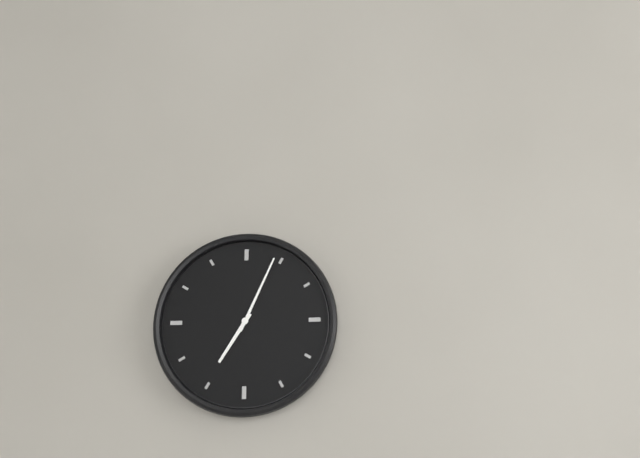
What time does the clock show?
7:04
